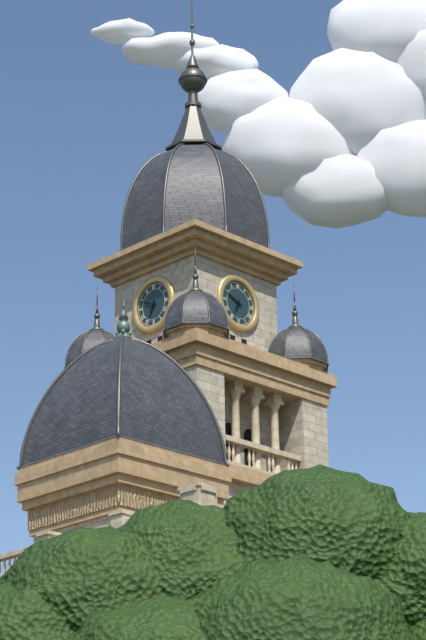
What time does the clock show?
6:49
